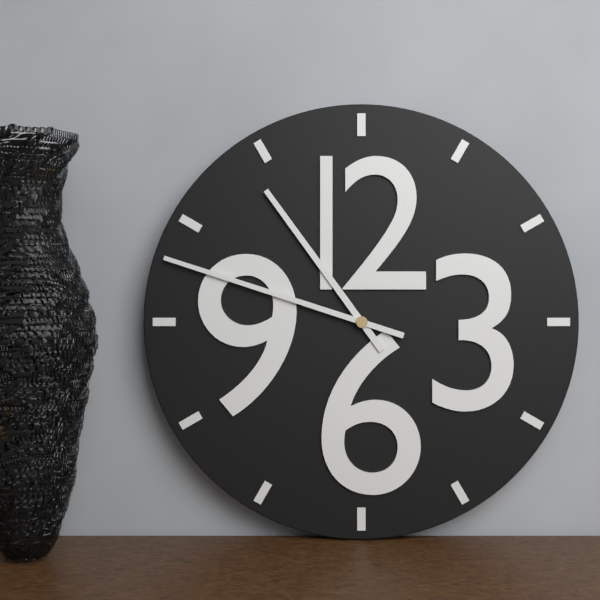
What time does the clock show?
10:48
